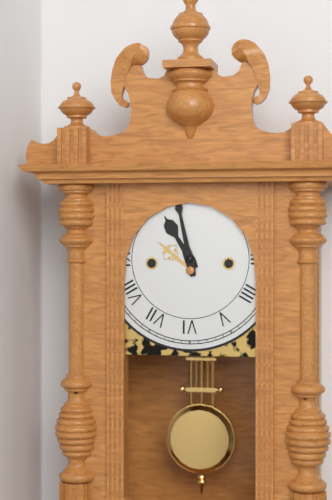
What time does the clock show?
10:58
